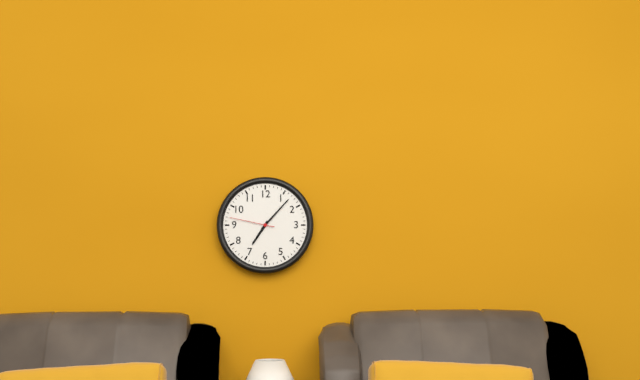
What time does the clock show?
7:07
